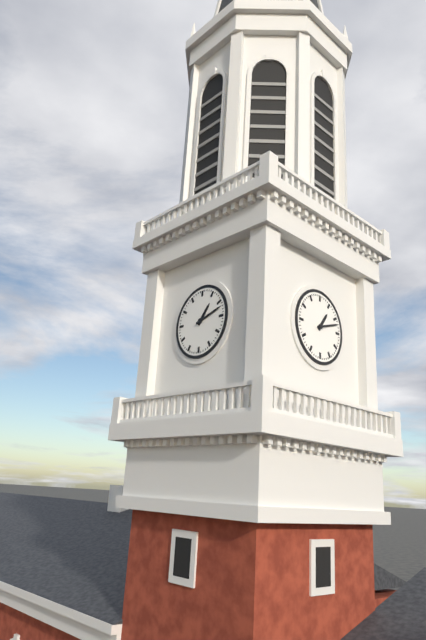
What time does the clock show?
1:12
